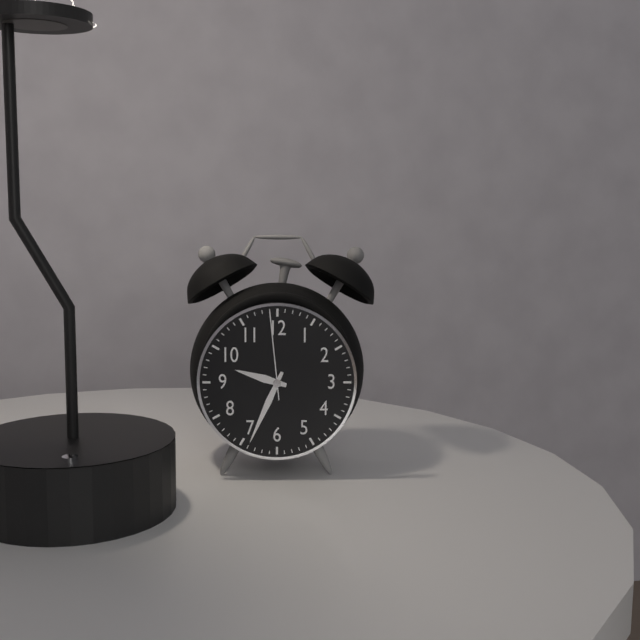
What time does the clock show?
9:34:59
